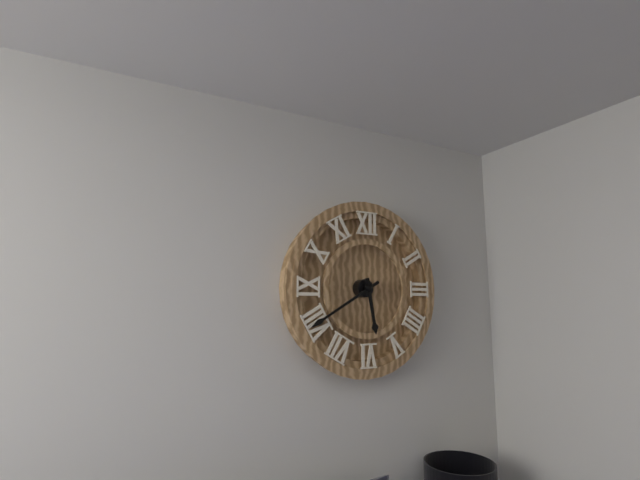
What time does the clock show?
5:40
